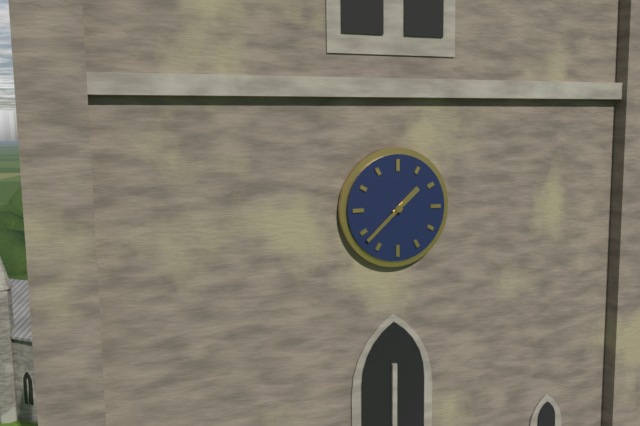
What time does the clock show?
1:38
